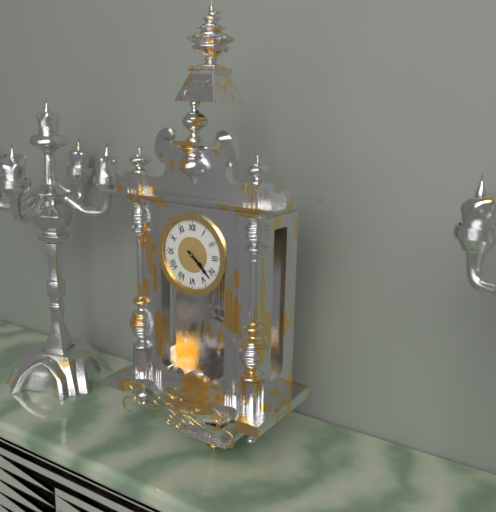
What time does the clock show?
4:22
